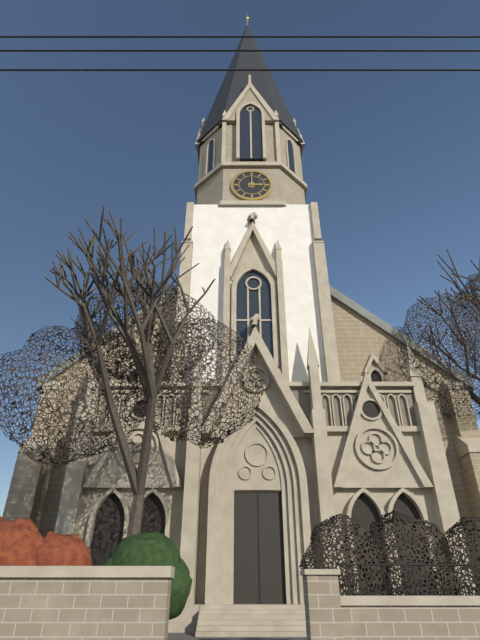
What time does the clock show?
3:00
